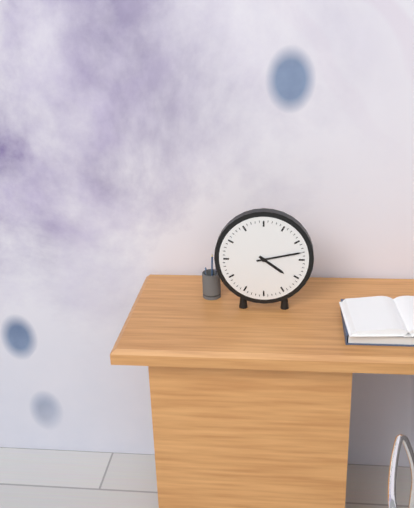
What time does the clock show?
4:13
